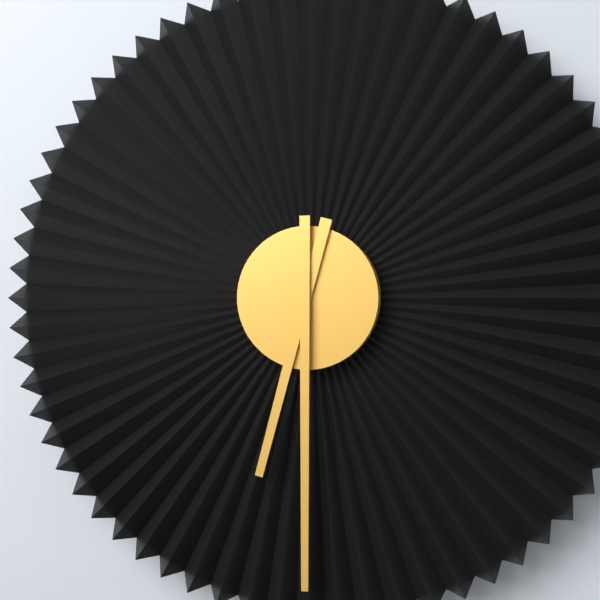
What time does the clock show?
6:30
